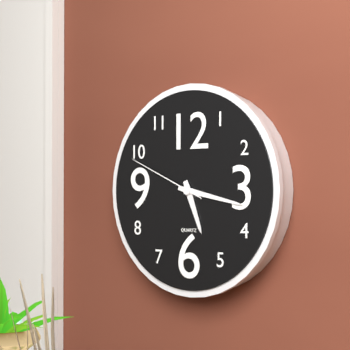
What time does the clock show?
5:17:49
